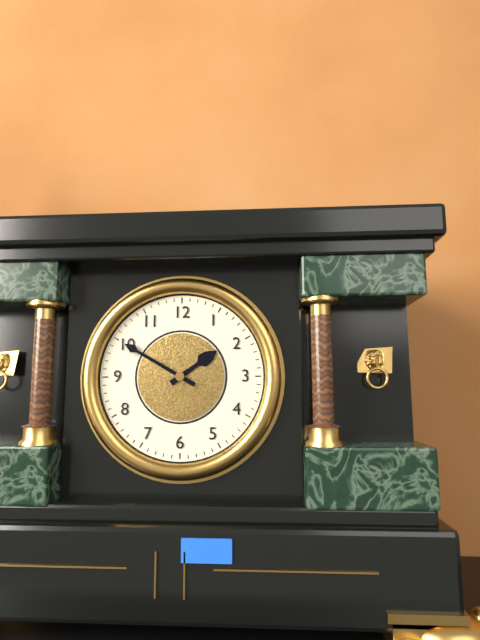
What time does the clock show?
1:50
